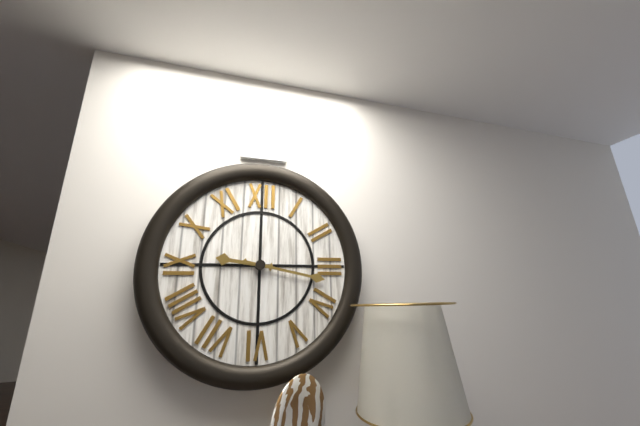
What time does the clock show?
9:17
